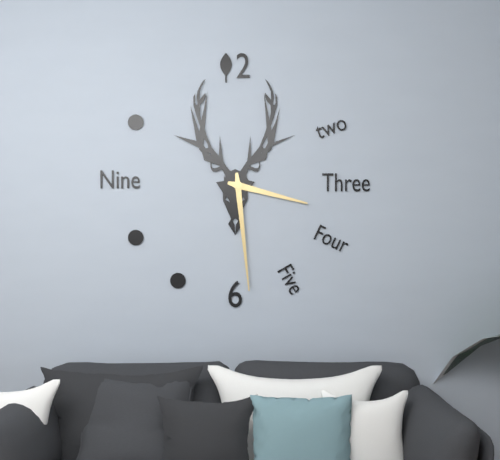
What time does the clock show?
3:29
